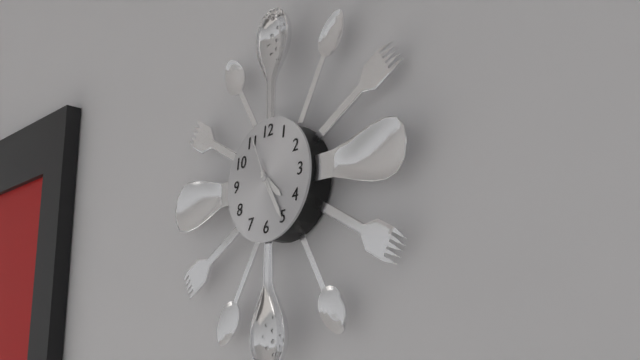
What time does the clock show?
4:25:56
